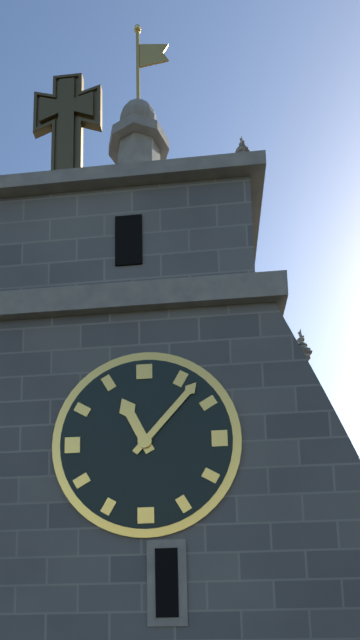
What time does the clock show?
11:07
